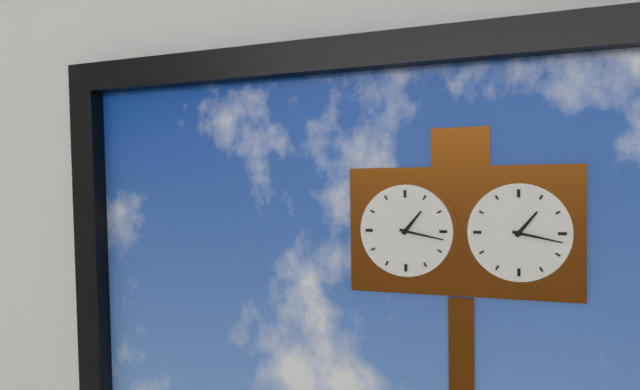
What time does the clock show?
1:17
